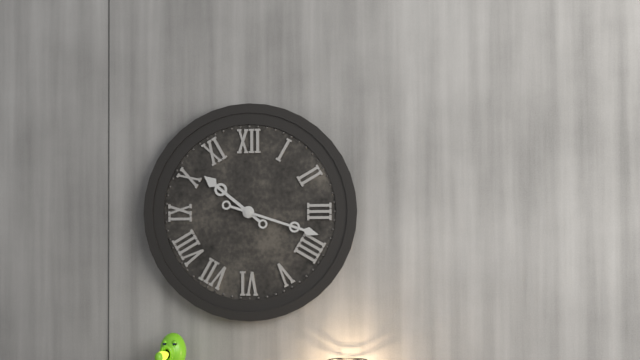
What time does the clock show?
10:18
